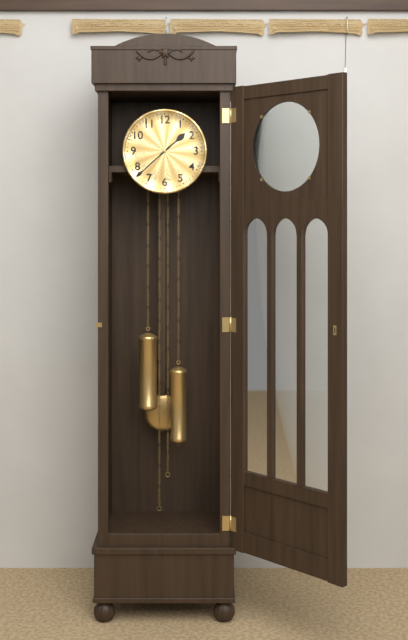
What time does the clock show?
1:38
